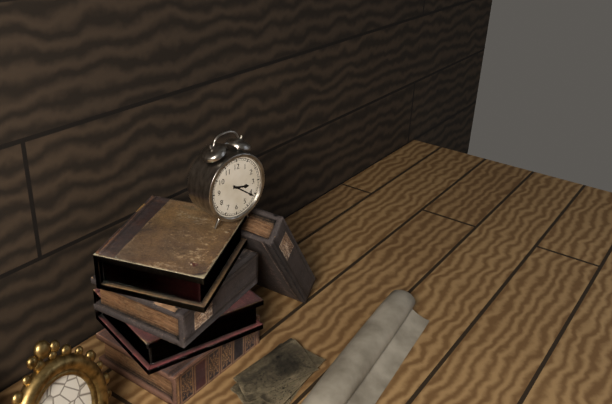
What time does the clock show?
3:21
